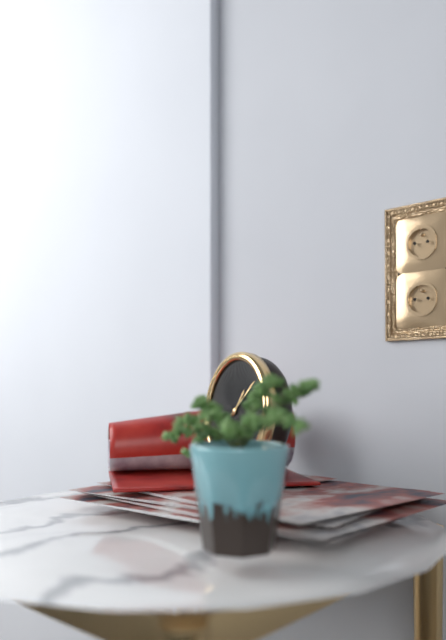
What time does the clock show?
1:08
